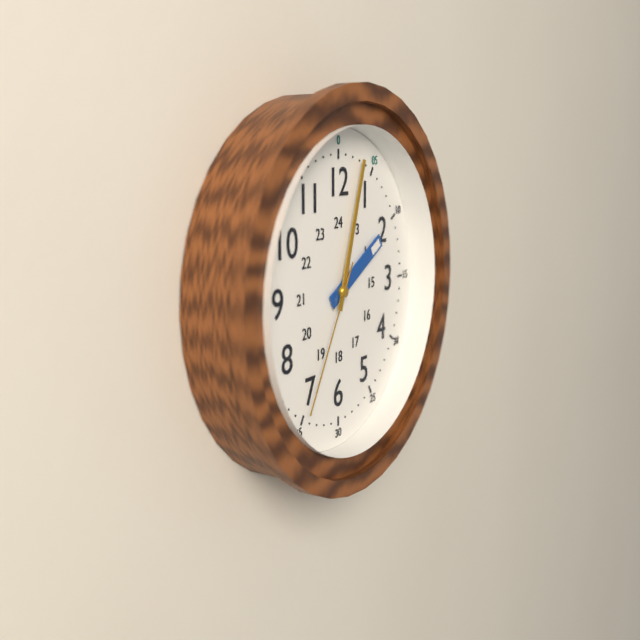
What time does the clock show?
2:03:35
